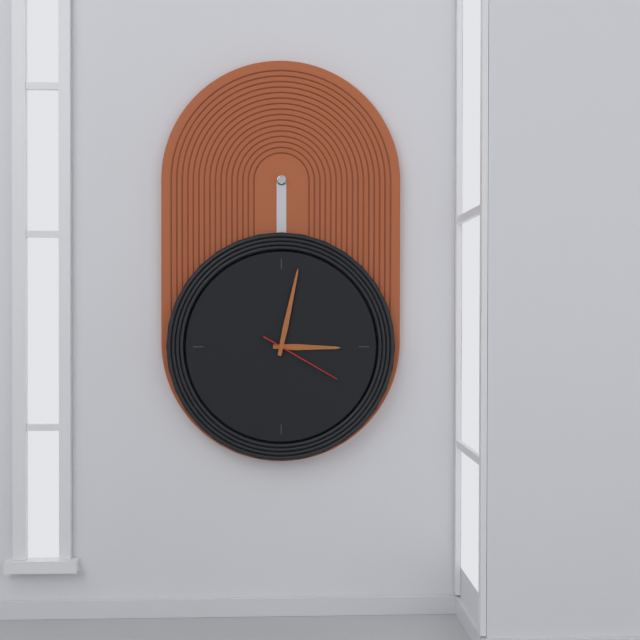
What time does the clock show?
3:02:20
